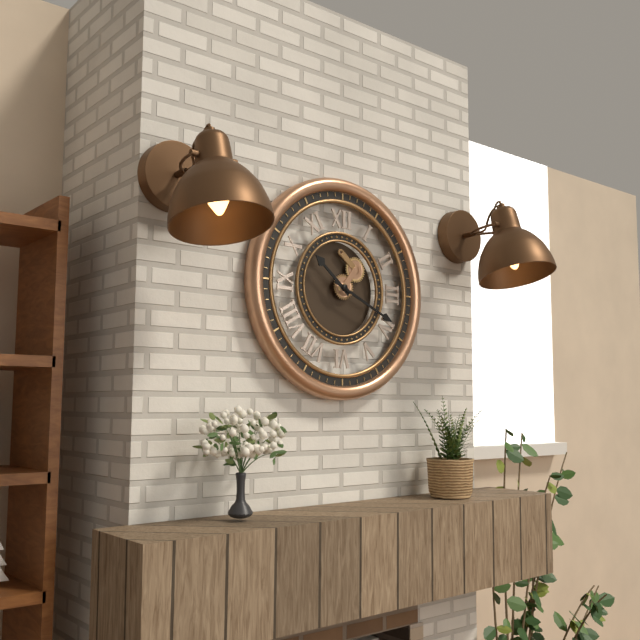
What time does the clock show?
10:19
